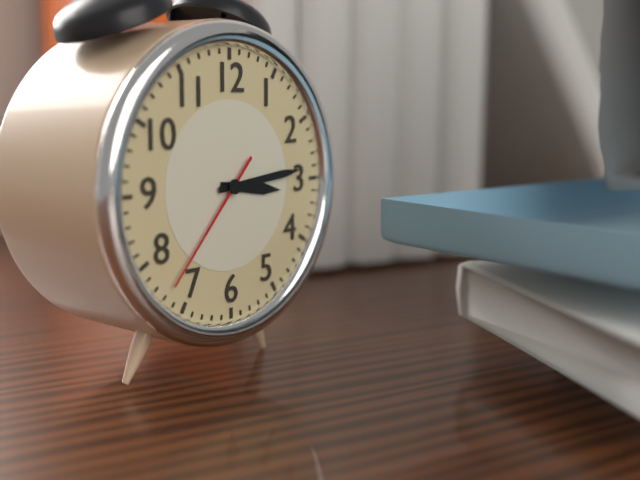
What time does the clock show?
3:14:37
